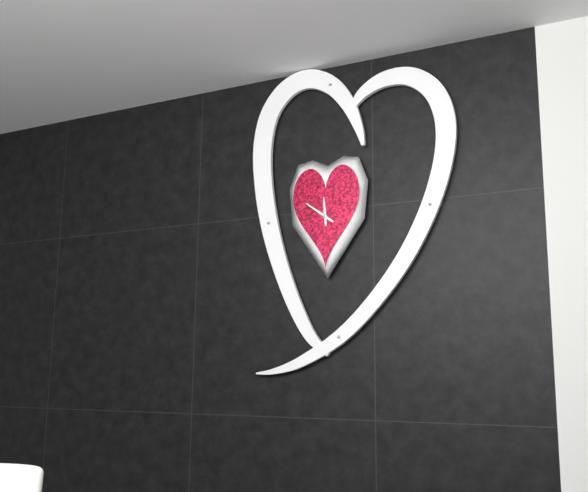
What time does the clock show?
11:51
